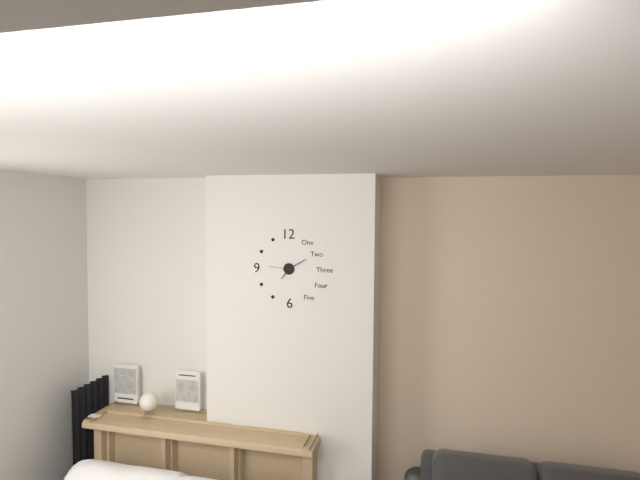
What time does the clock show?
7:10
